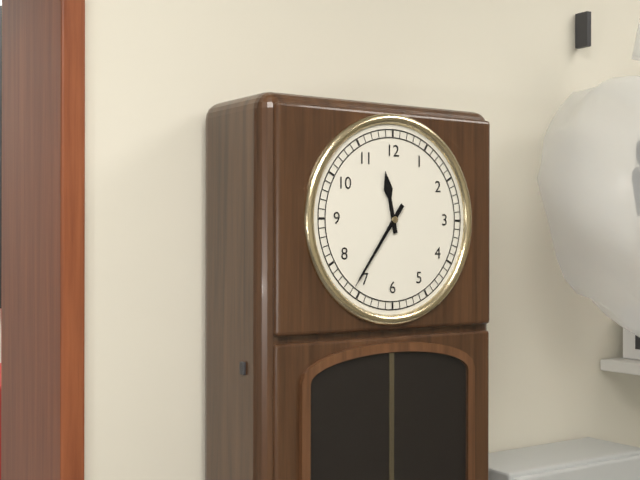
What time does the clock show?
11:36
